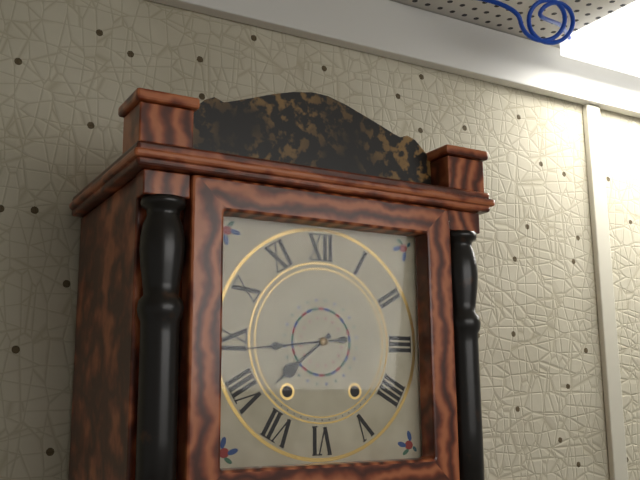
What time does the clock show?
7:44
